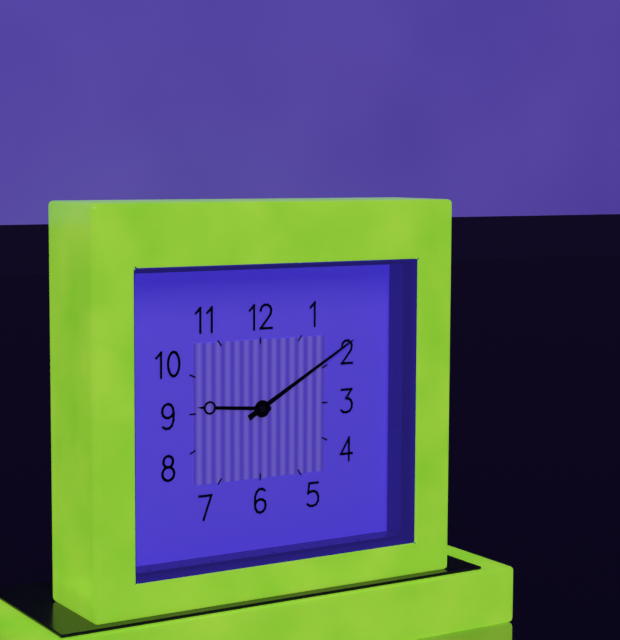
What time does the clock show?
9:10
